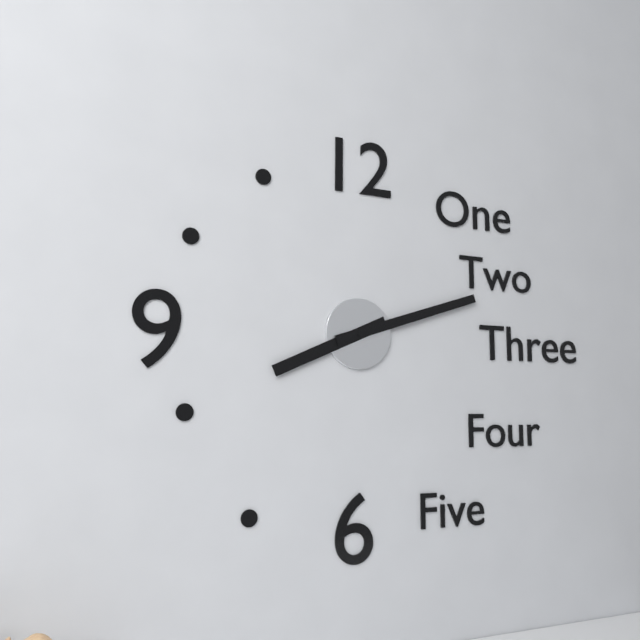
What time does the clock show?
8:12
